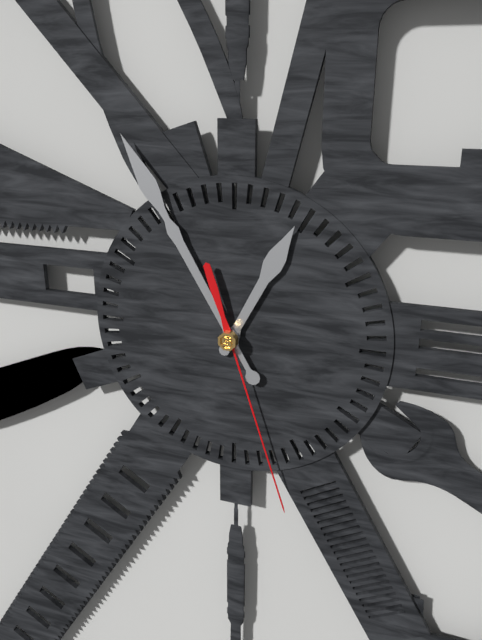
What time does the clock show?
12:55:27
